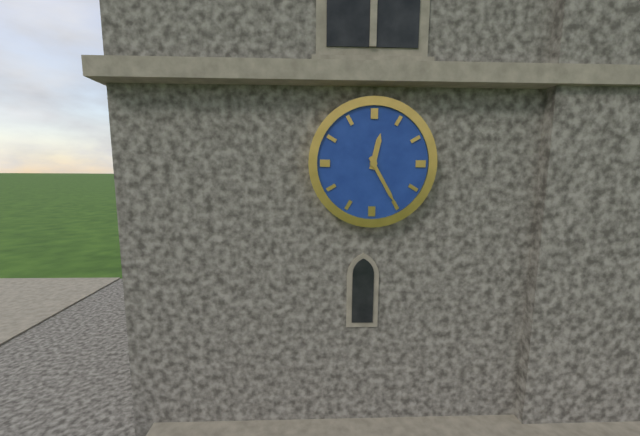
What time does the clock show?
12:25
